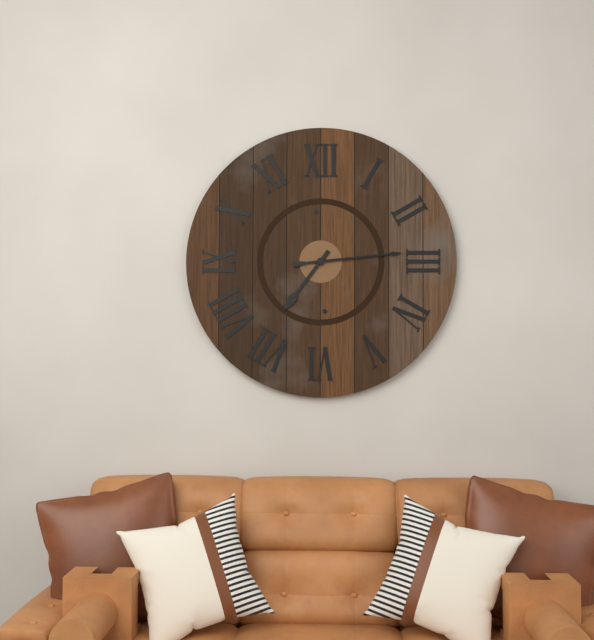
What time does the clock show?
7:14
